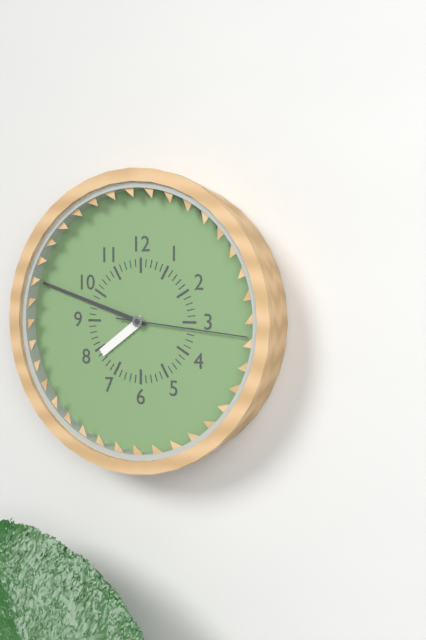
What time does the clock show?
7:48:16
